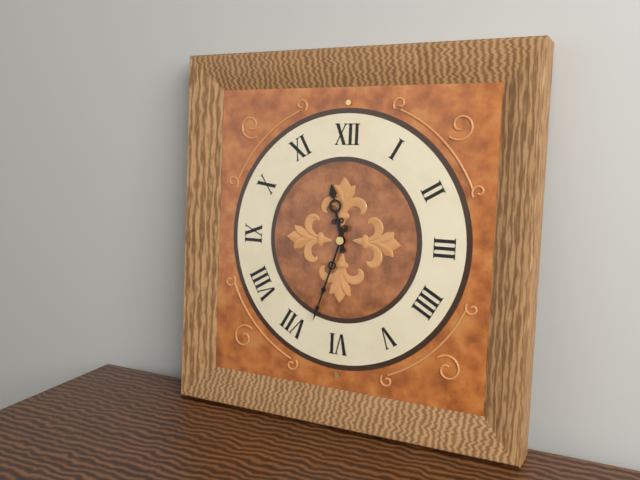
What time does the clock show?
11:33
